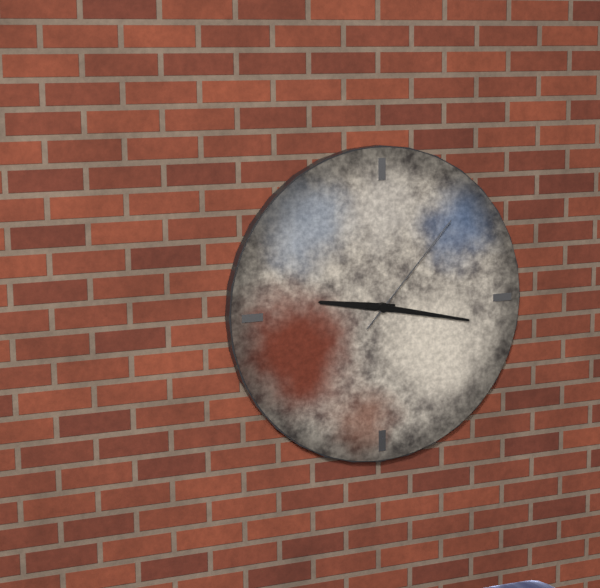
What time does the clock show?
9:17:07
